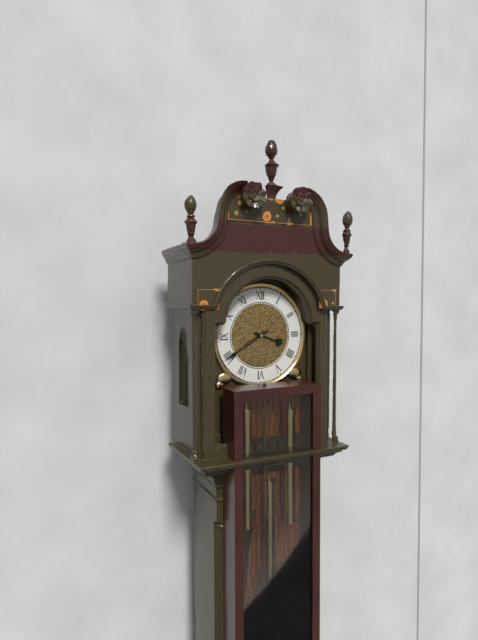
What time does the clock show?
3:40
